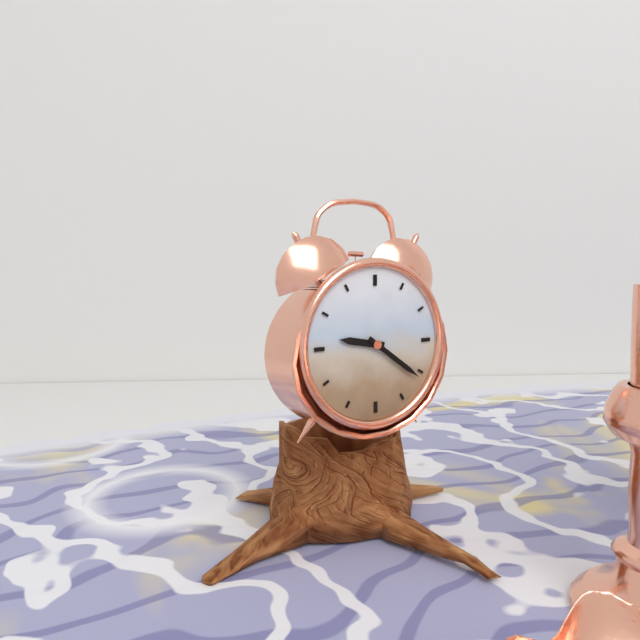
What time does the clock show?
9:21
